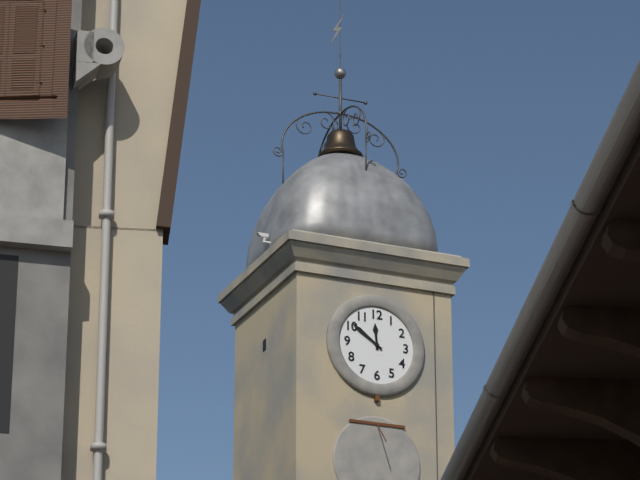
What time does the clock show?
11:51
